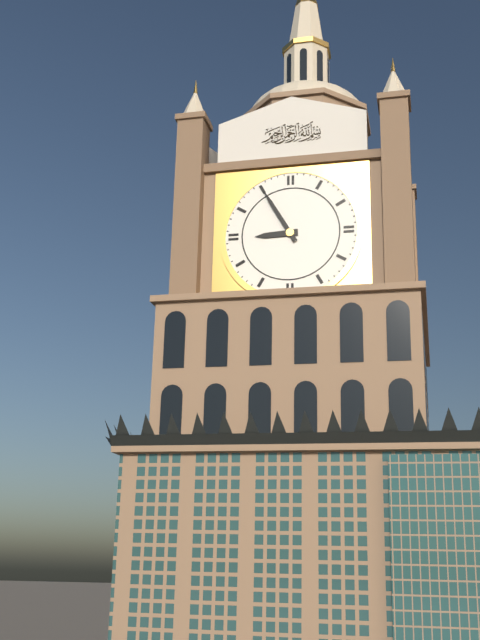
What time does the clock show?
8:55
